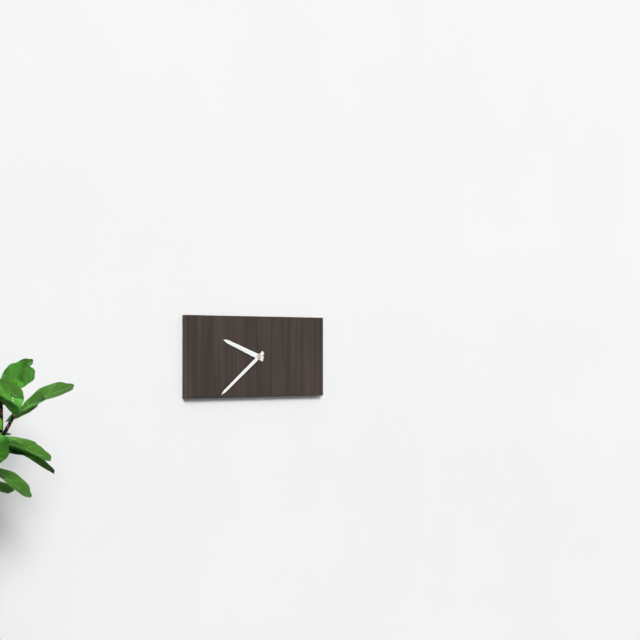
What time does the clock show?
9:39
